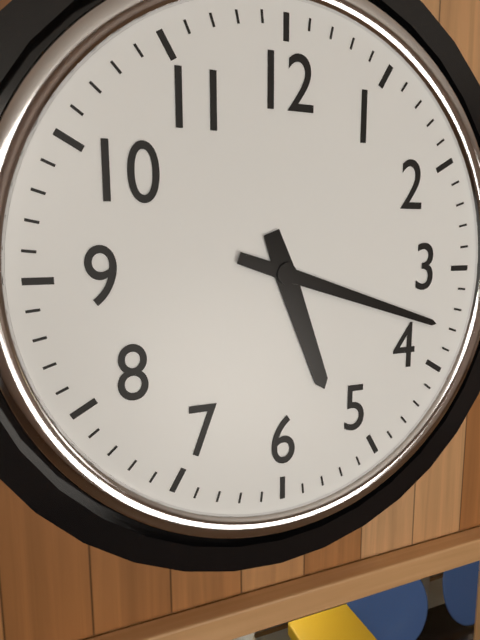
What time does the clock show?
5:18
